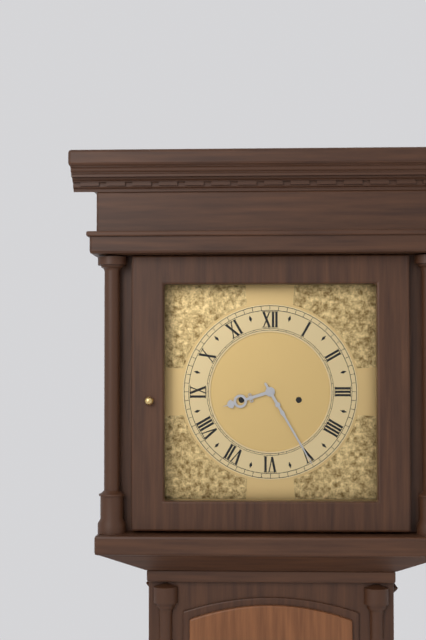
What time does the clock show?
8:25
